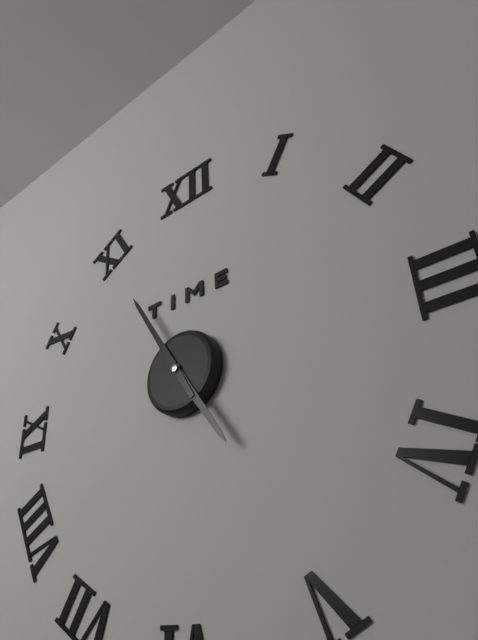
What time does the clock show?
4:55
